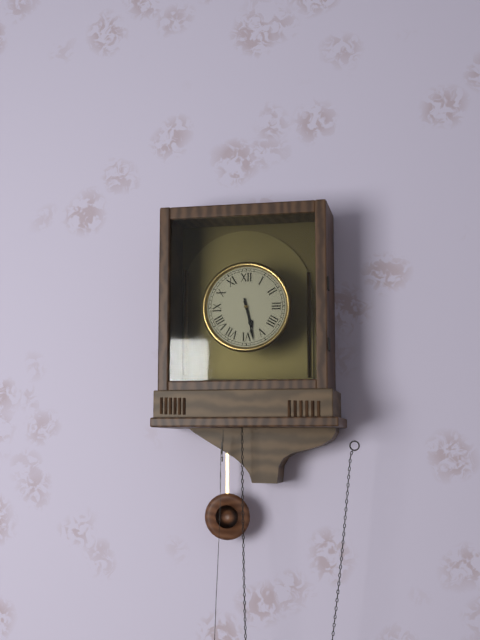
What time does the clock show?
5:28
